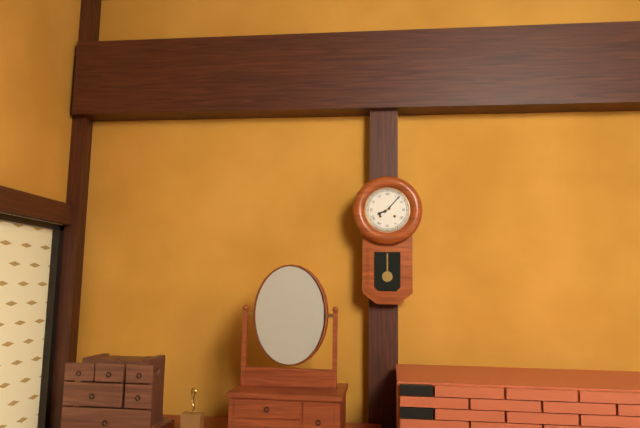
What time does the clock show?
8:07
